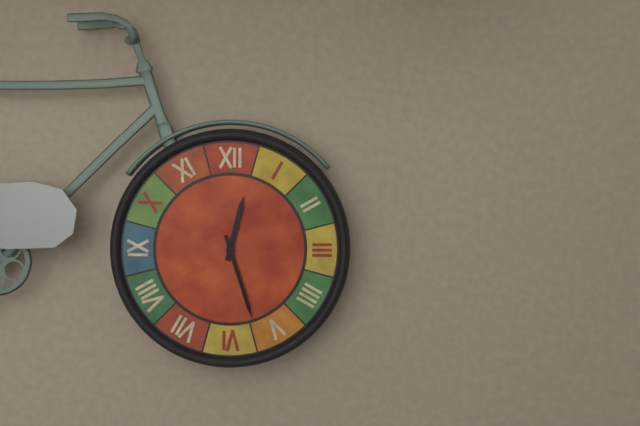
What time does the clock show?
12:27
